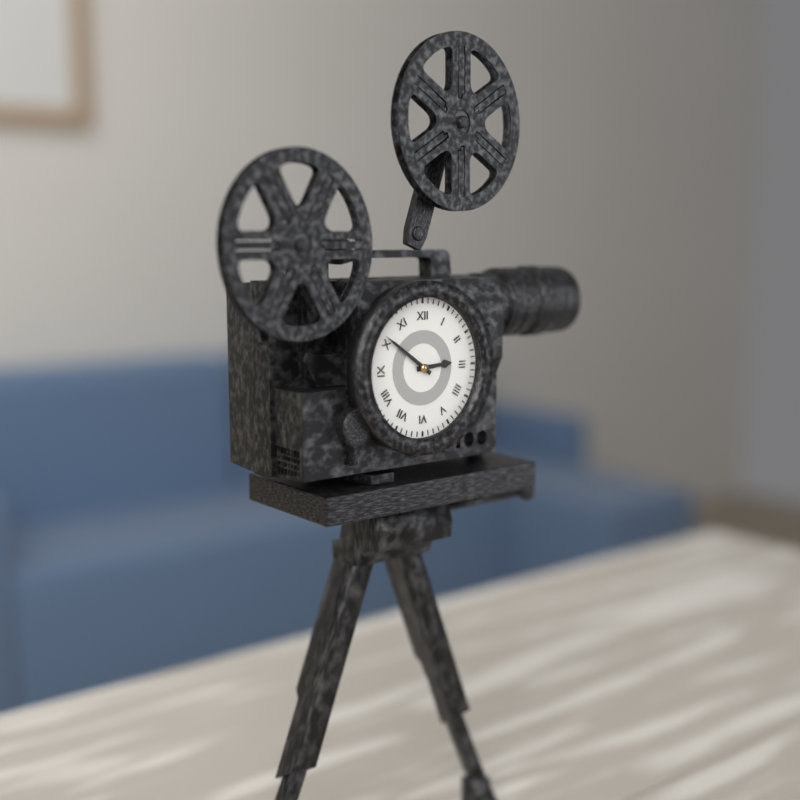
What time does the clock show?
2:51
